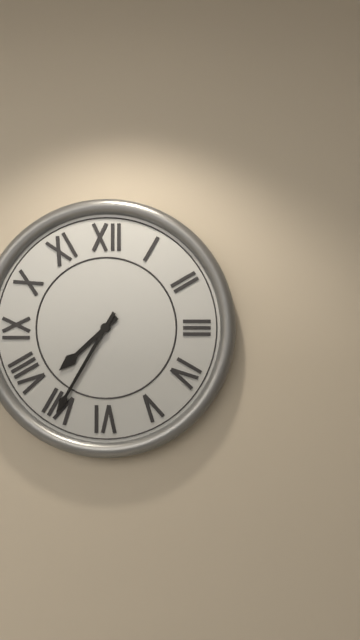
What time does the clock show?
7:35
